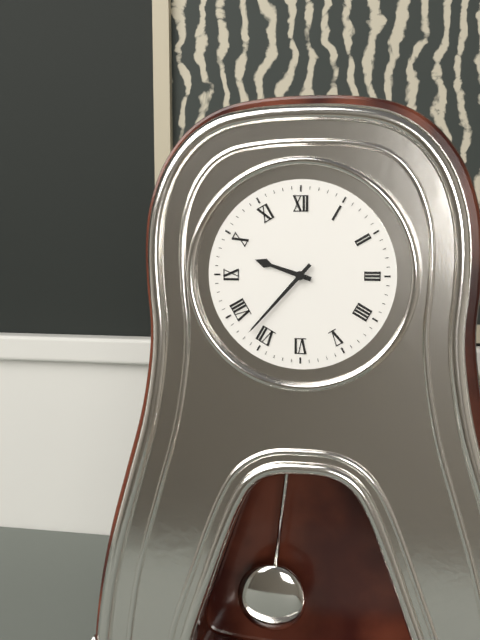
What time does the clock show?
9:37
